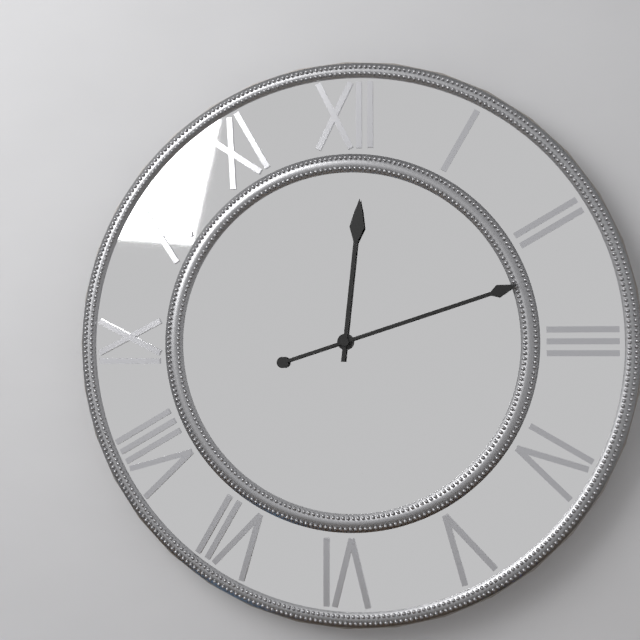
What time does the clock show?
12:12
